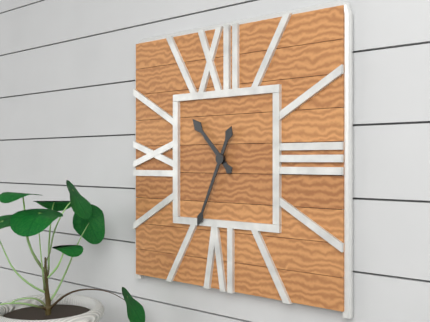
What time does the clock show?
10:34
